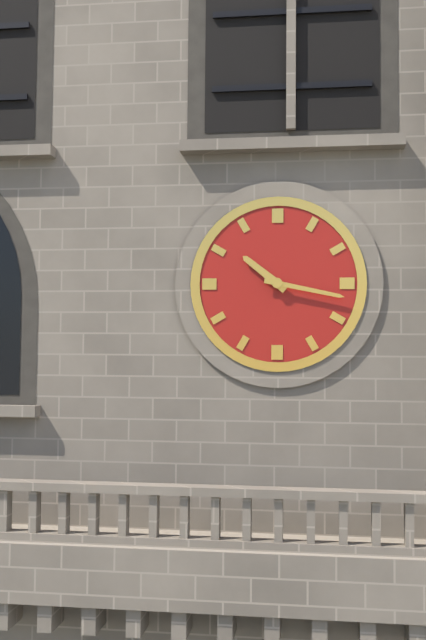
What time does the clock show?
10:17
